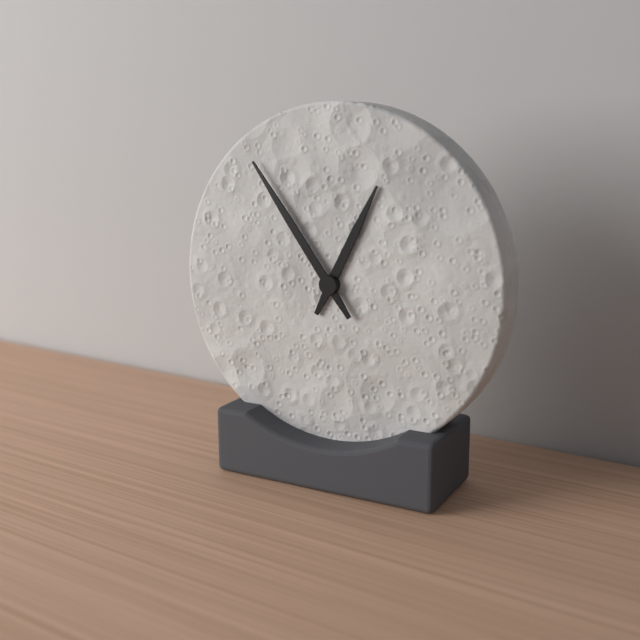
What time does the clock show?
12:54
